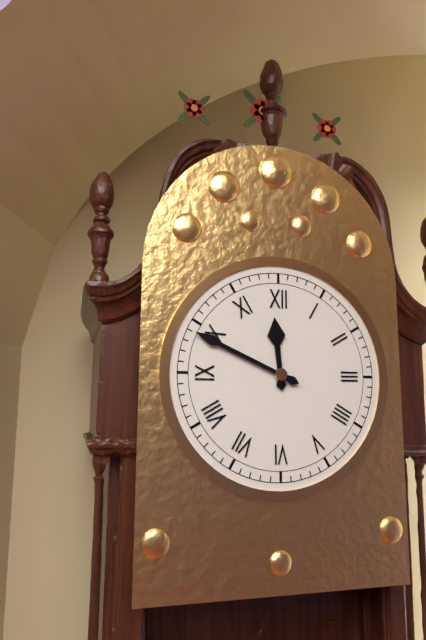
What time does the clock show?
11:49
